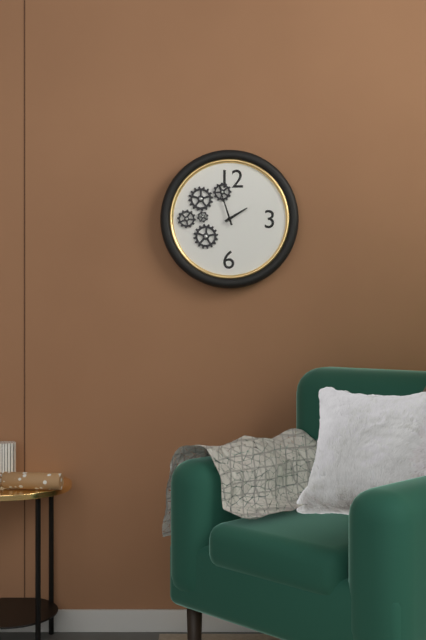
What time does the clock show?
1:57
